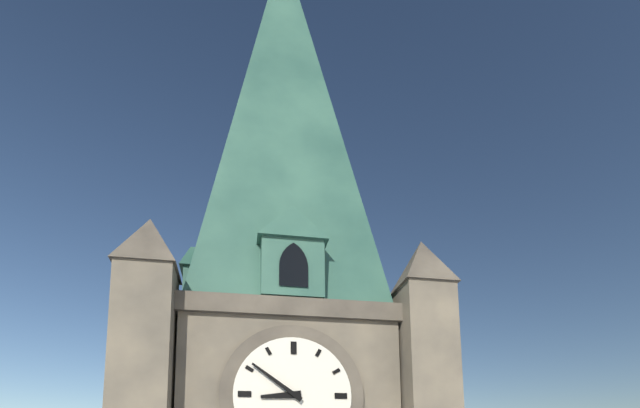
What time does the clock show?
8:51
